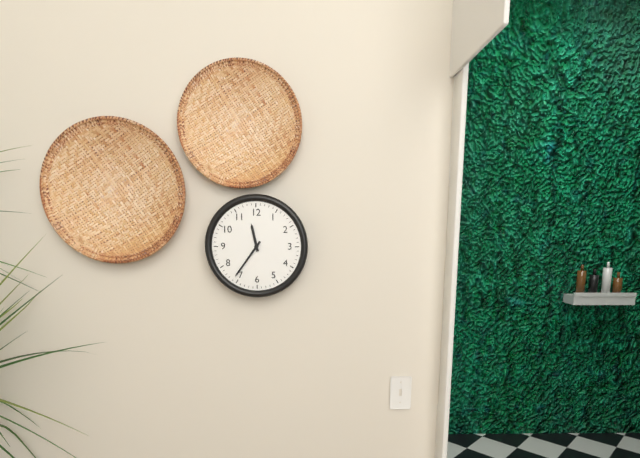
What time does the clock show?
11:36
